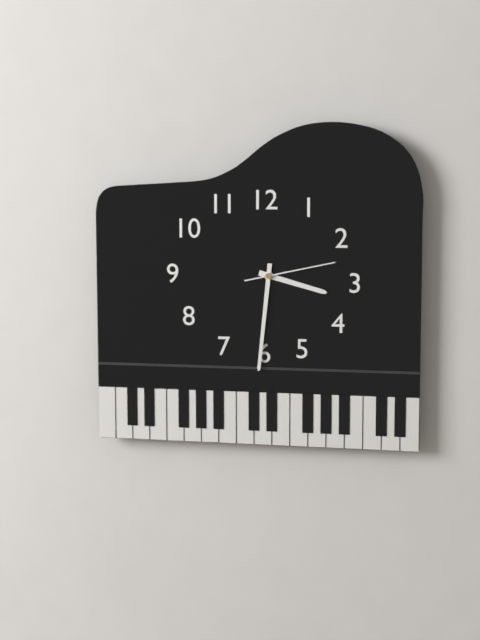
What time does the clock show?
3:31:13
